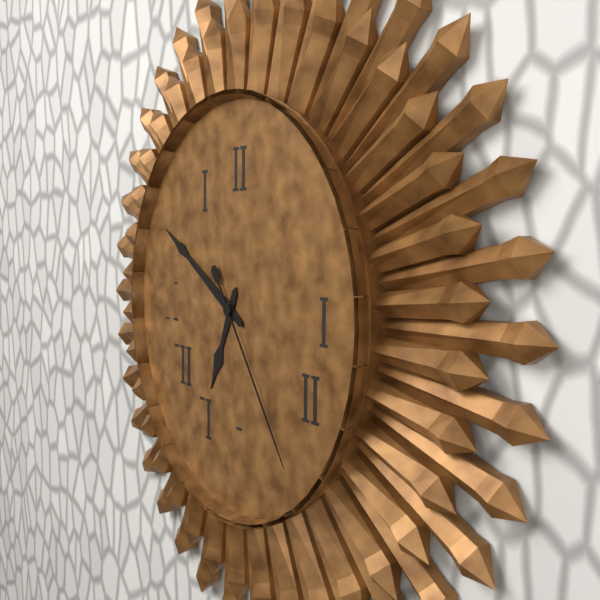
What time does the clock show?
6:50:24
